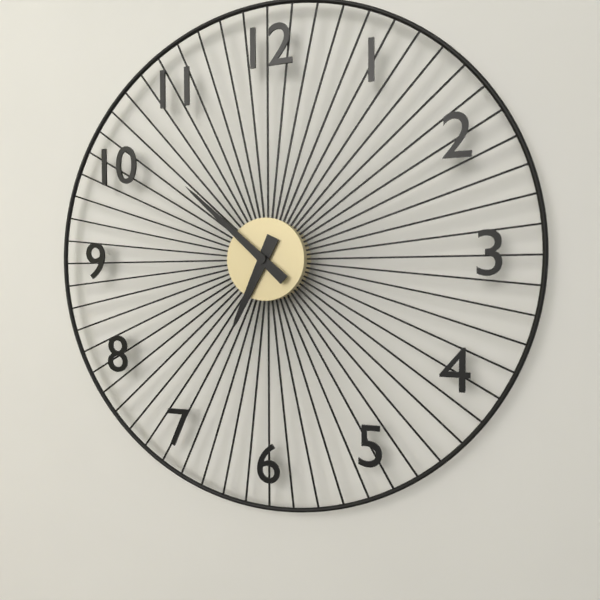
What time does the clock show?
6:52
